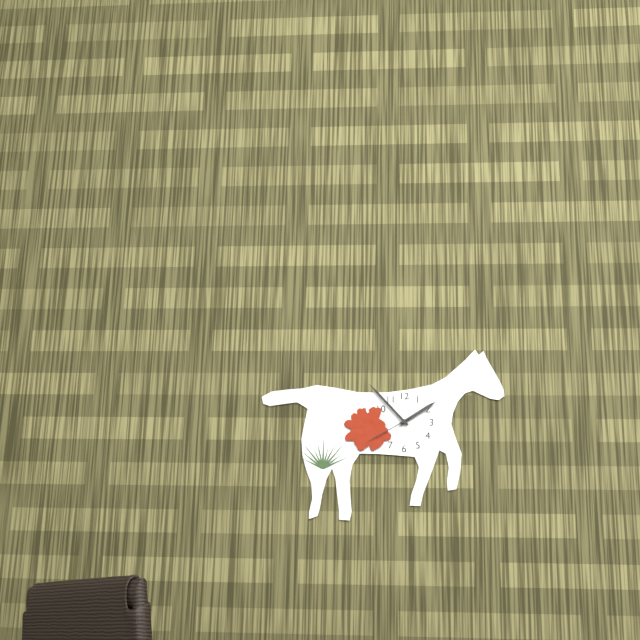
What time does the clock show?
1:53:40
